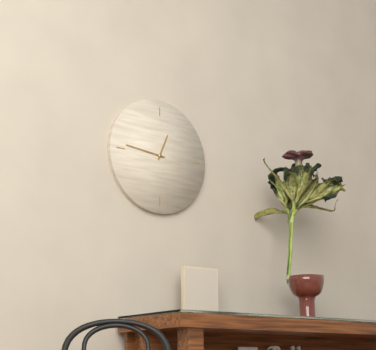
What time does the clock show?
12:46
